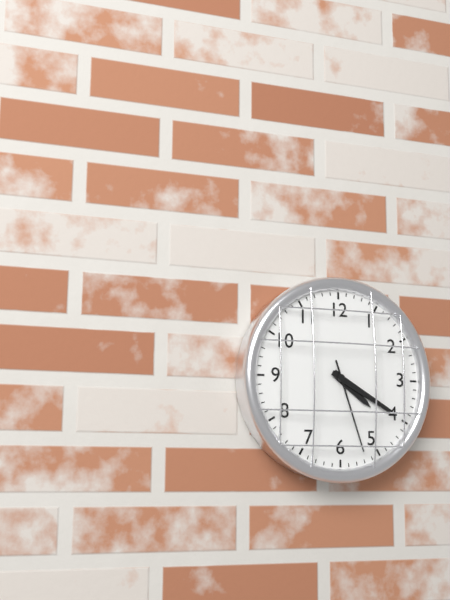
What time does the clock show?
4:20:27
